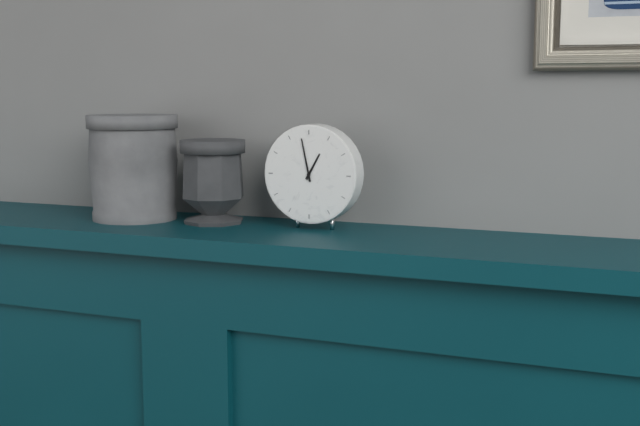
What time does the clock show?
12:58
